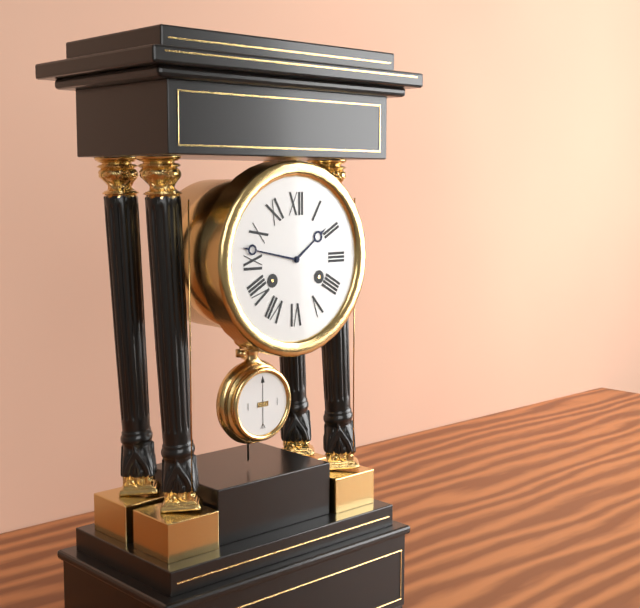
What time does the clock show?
1:47
